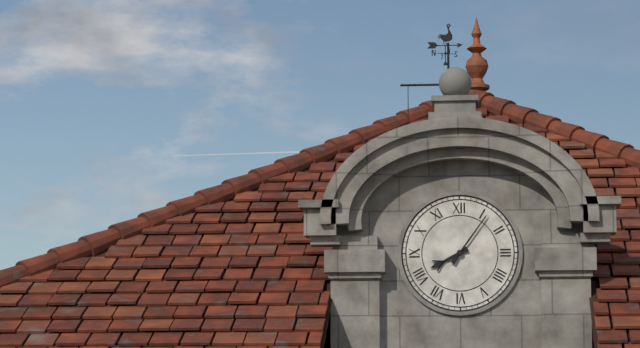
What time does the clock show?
8:06
